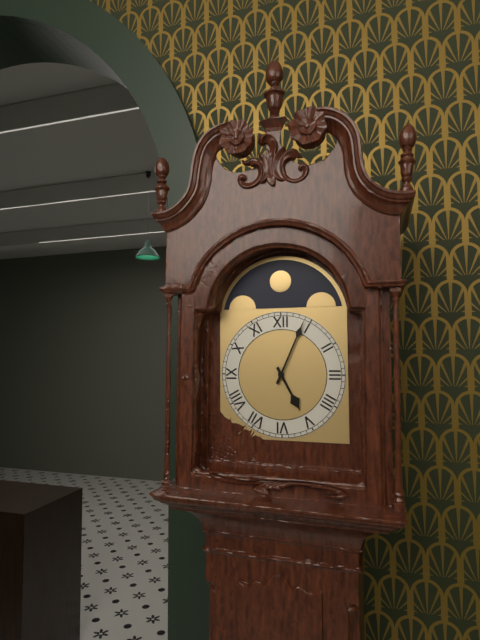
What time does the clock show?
5:04
